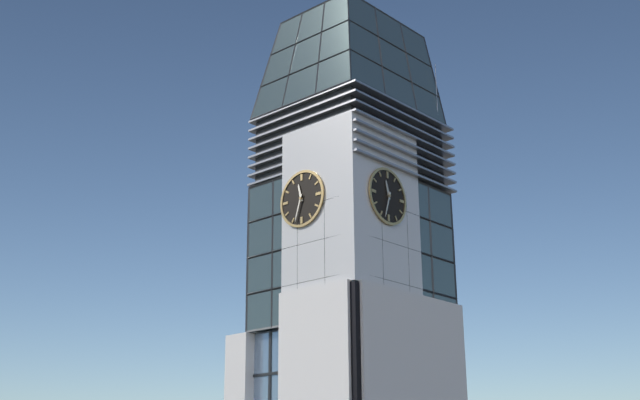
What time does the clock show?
11:33
